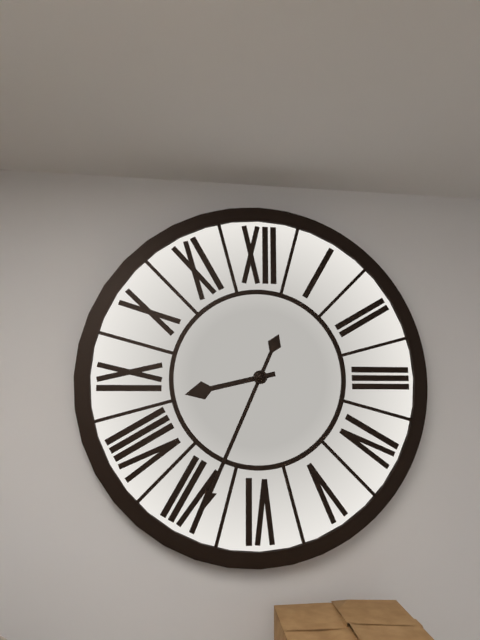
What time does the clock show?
8:34
